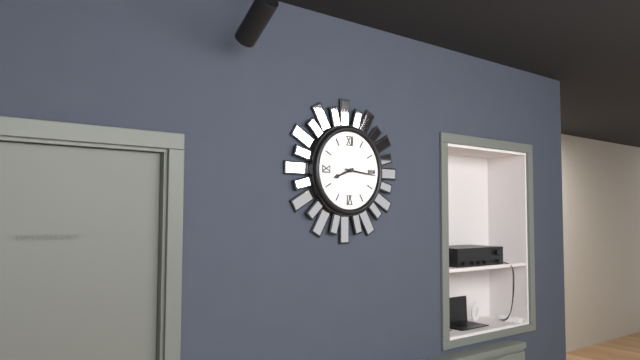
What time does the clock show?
8:16
